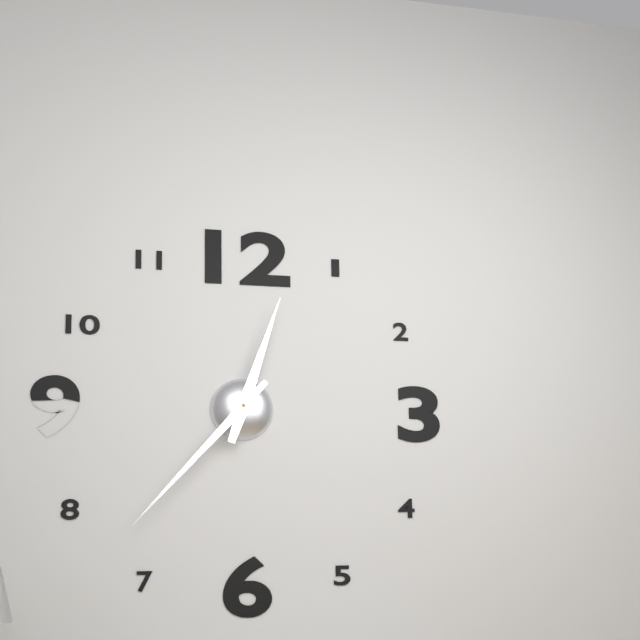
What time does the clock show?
12:37
